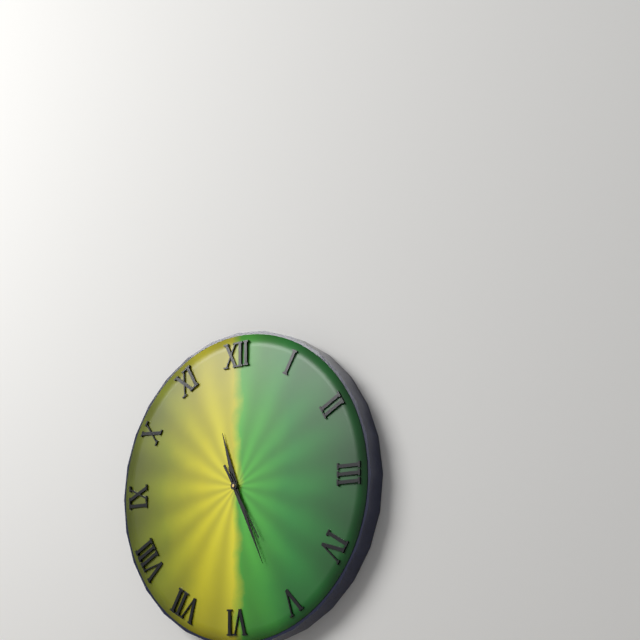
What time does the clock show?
11:26:25
